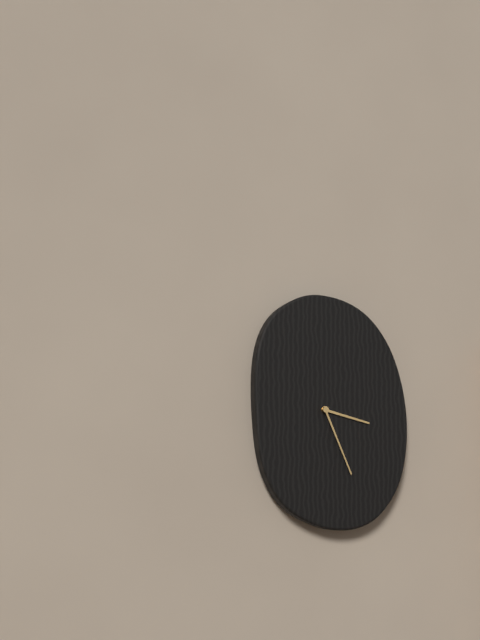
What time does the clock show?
3:26
